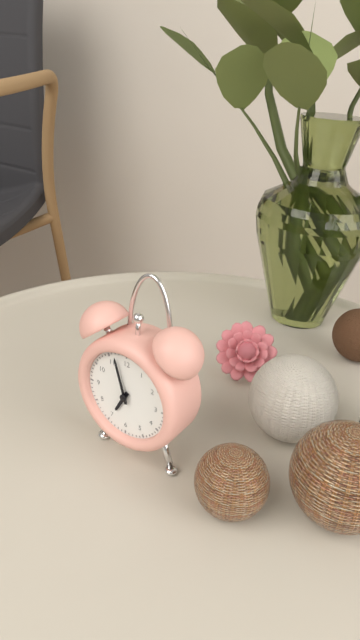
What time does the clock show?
6:57
